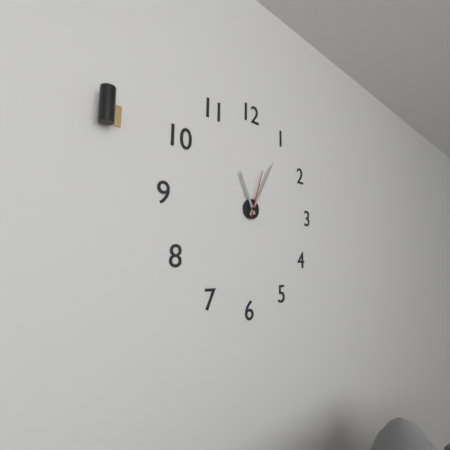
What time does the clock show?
11:05:03
